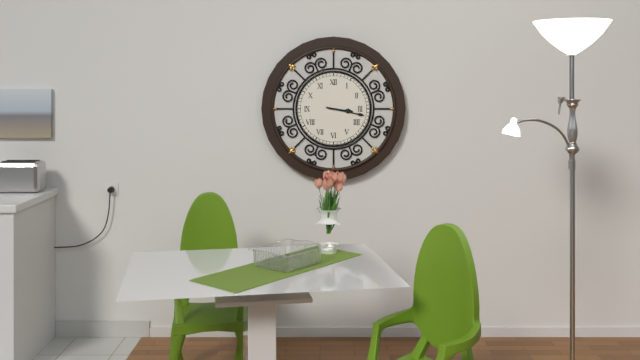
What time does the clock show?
3:17
